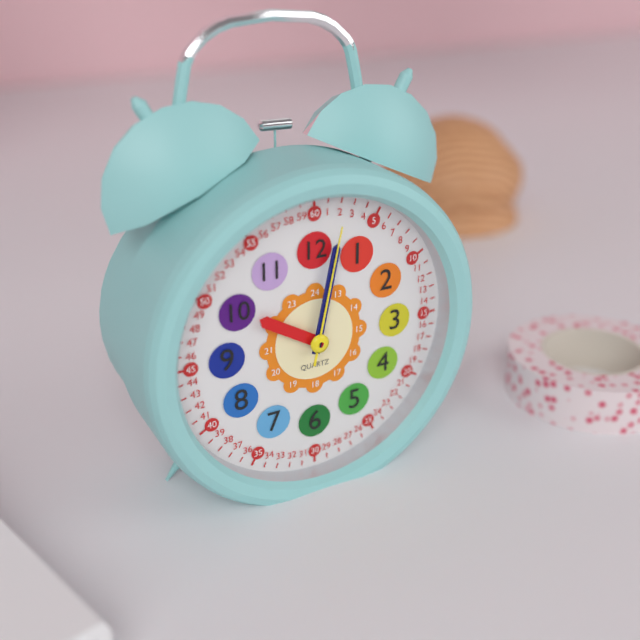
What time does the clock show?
10:02:02
